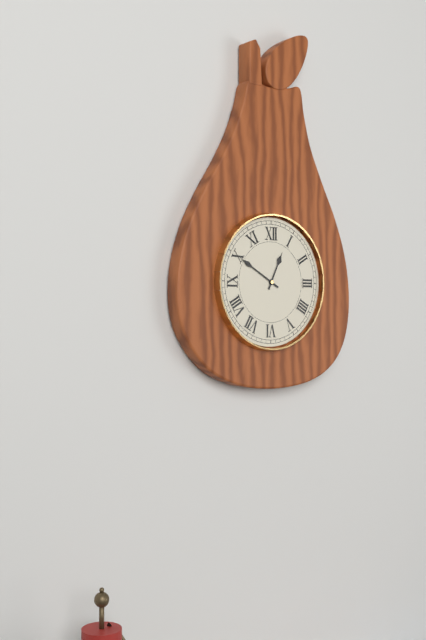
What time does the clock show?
12:50
